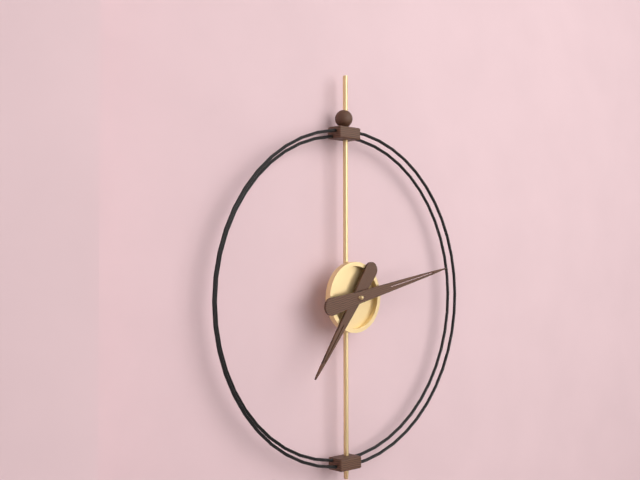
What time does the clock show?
7:13
